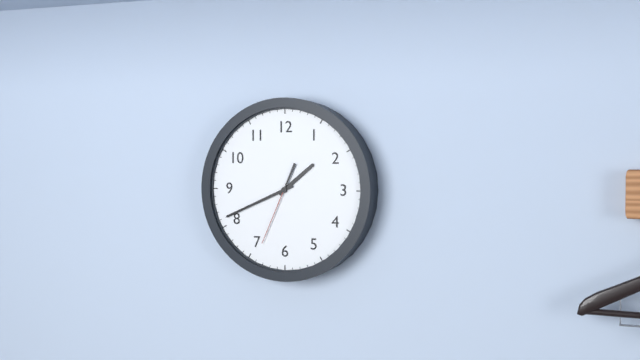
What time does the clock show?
1:41:34
